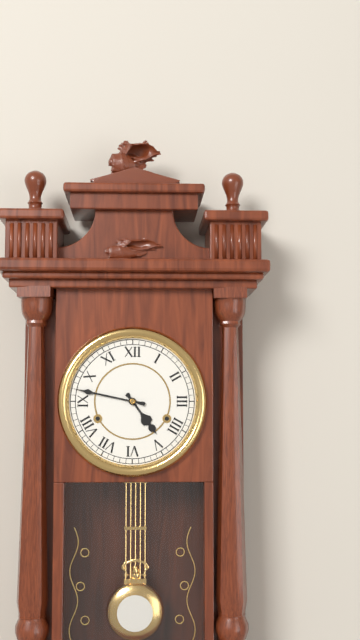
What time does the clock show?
4:47
